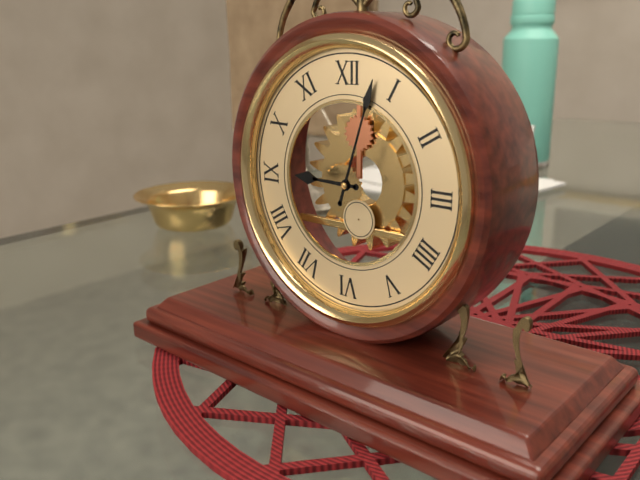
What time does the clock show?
9:03
